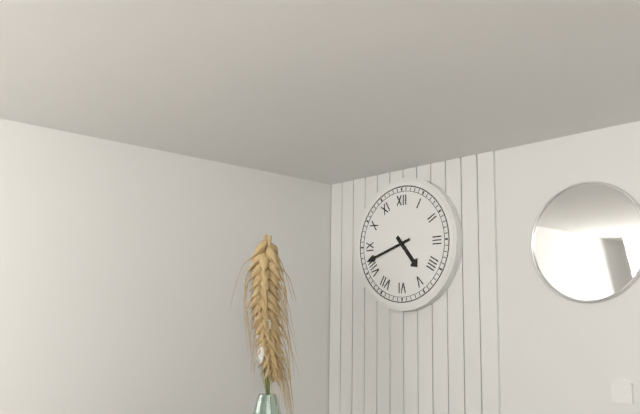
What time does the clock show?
4:42
